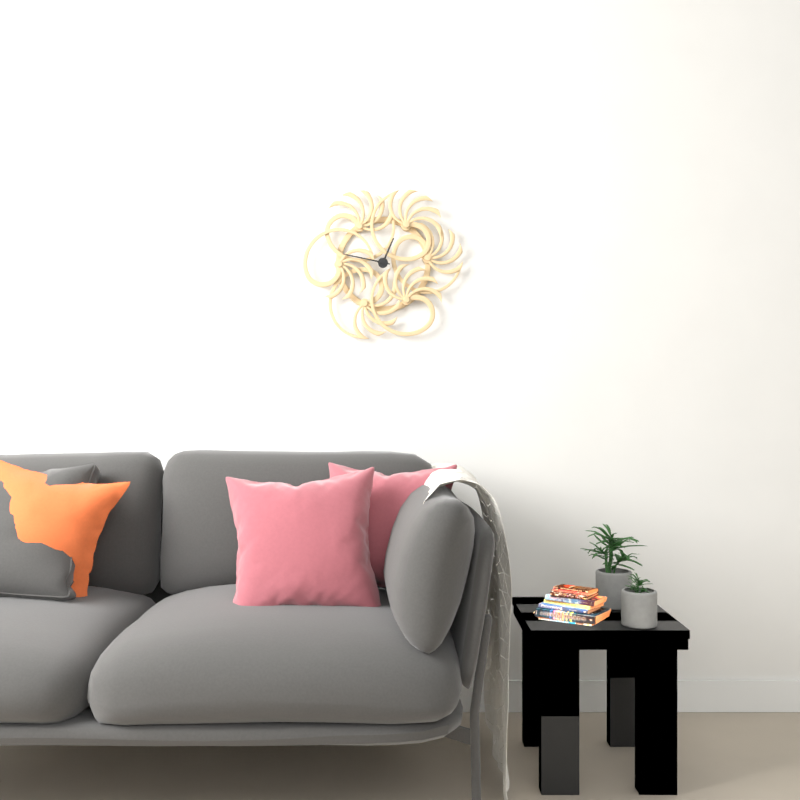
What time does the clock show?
12:47
